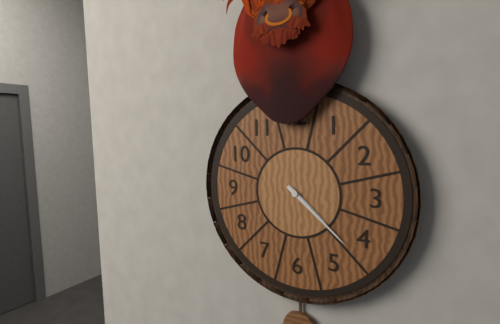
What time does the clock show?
4:22
